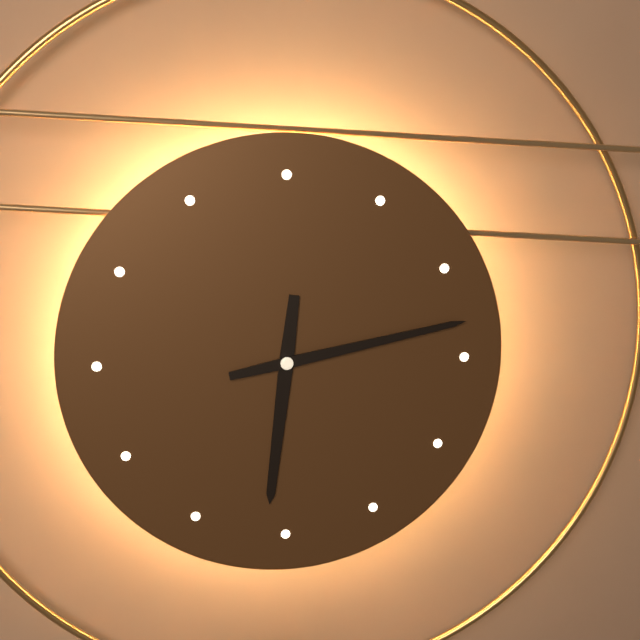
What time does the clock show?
6:13
